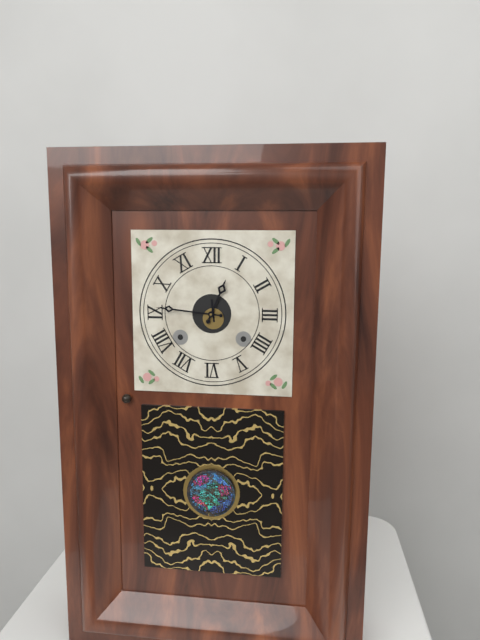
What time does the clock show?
12:46
